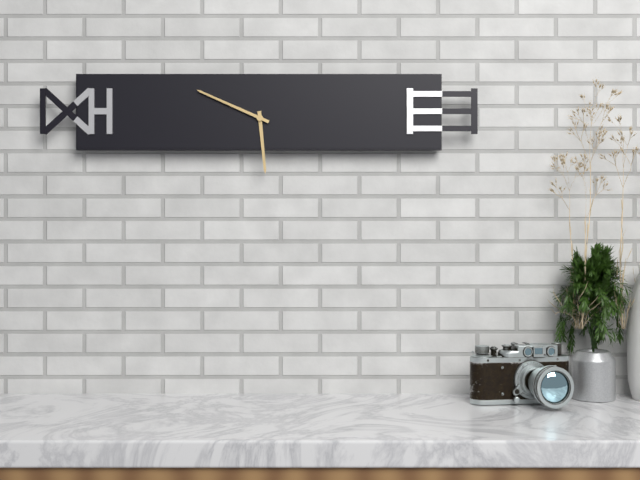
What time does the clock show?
5:49
